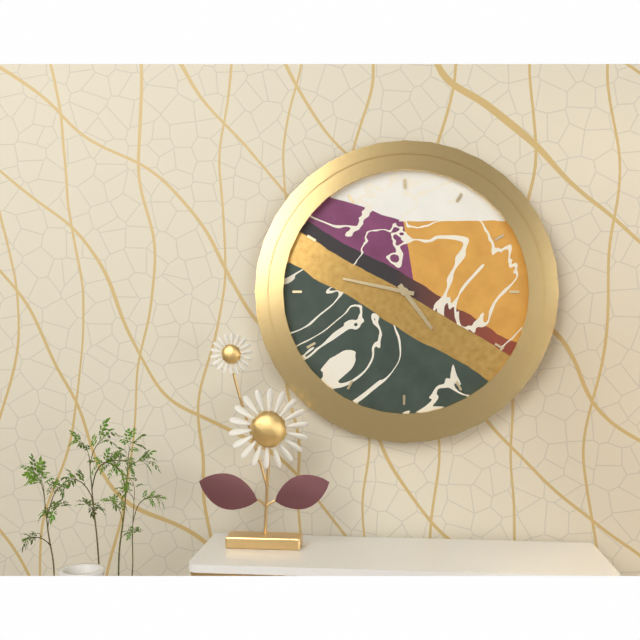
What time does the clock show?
4:47
